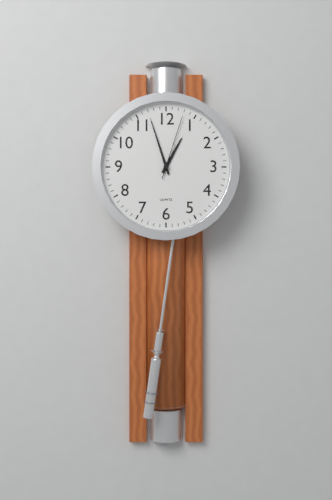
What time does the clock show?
12:57:03
